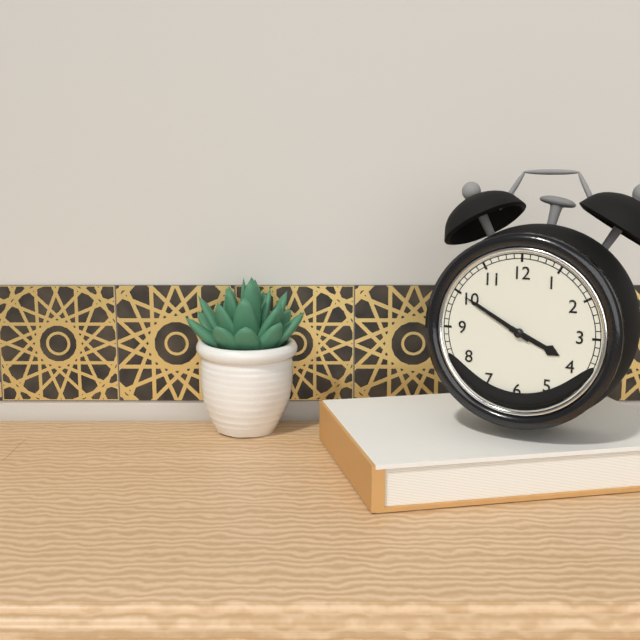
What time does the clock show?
3:50
